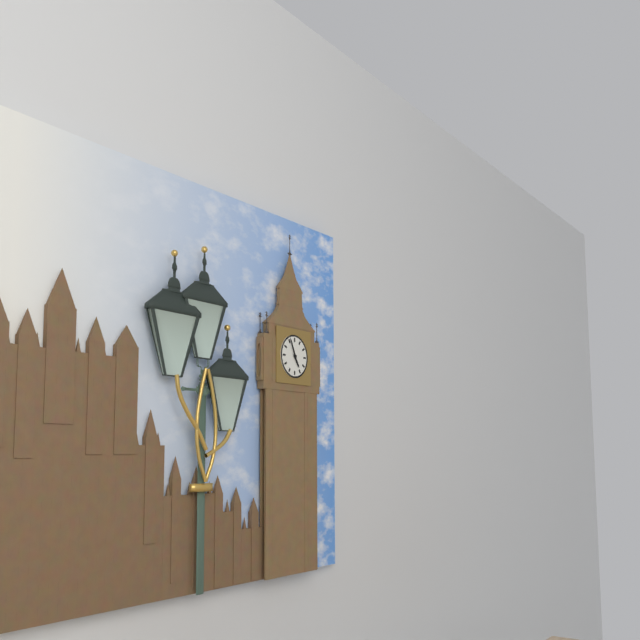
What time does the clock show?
4:56
